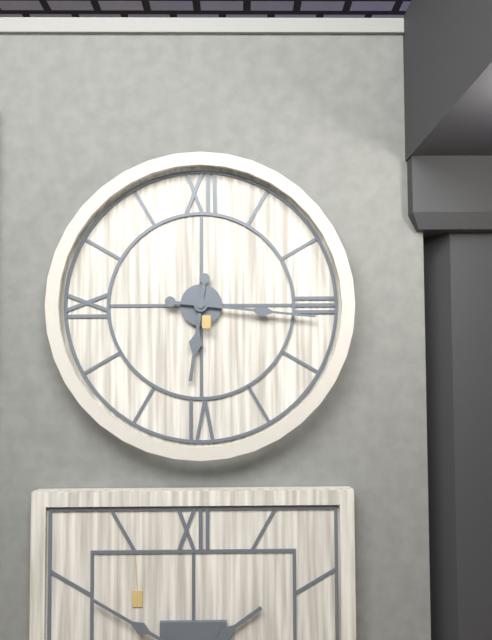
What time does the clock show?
6:16
